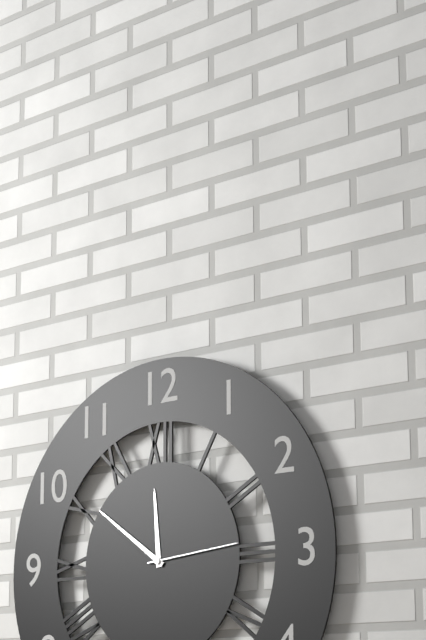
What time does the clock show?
11:51:14
